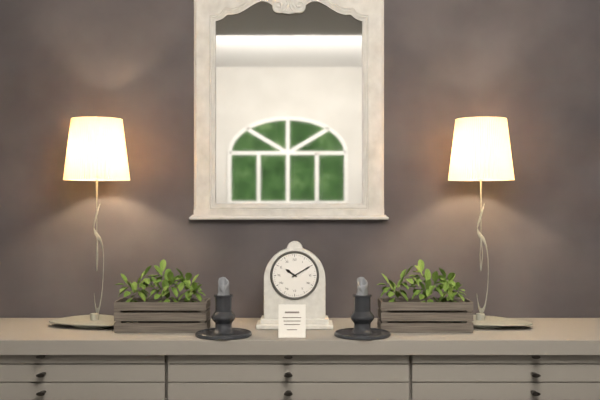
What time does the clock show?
10:10
